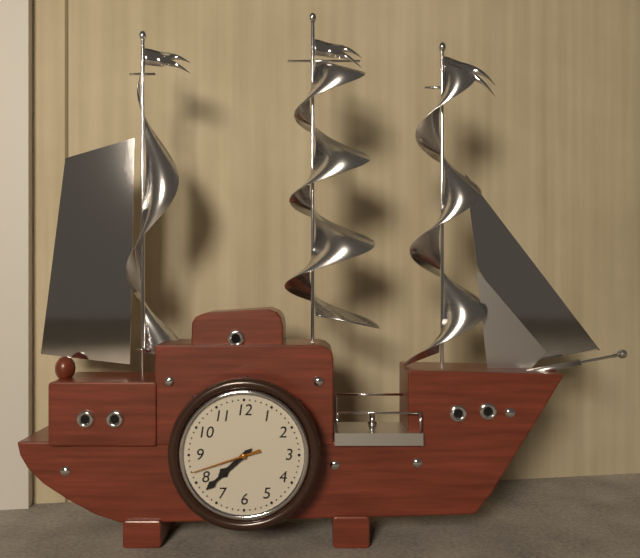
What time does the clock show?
7:38:42
